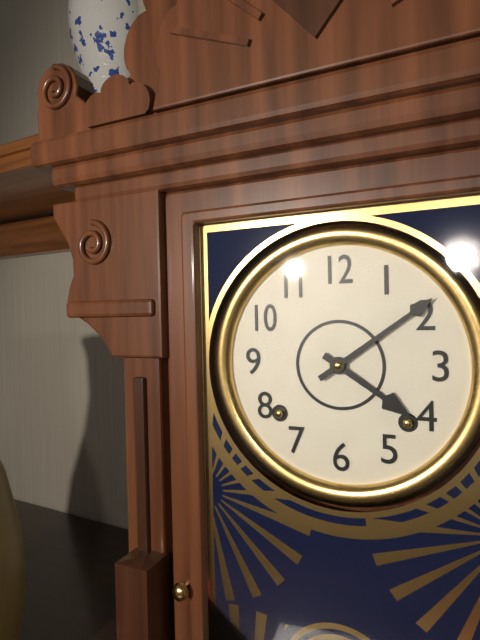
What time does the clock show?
4:09
